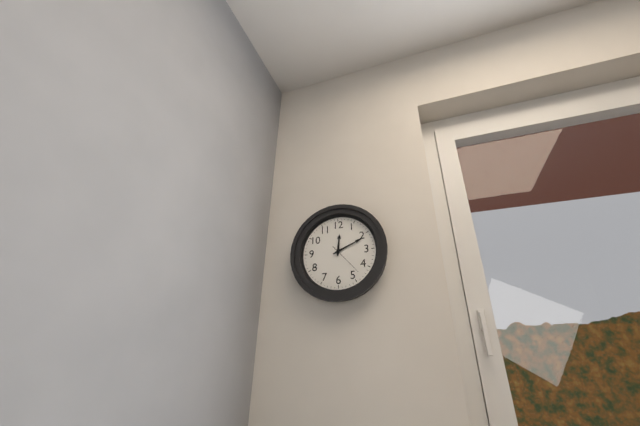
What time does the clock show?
12:11
